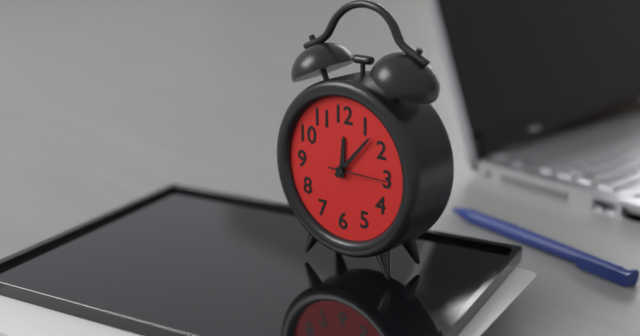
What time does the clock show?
12:07:15
